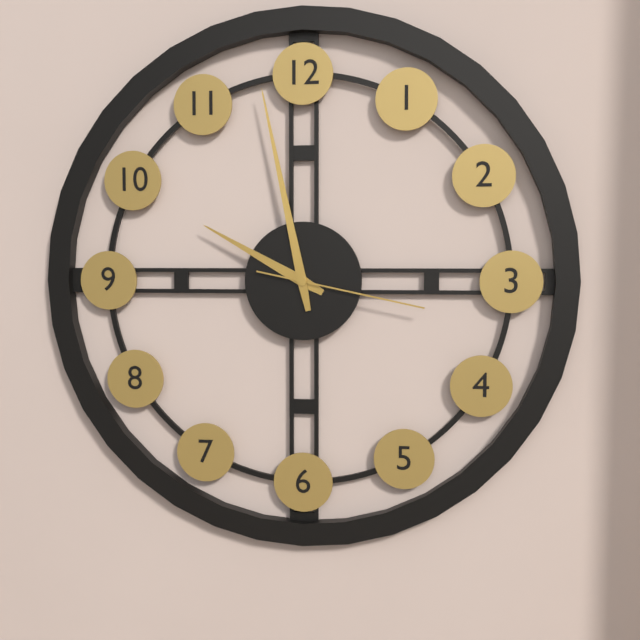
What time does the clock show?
9:58:17
